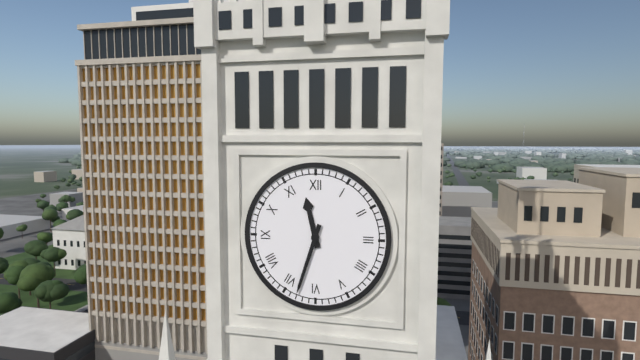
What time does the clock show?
11:33
